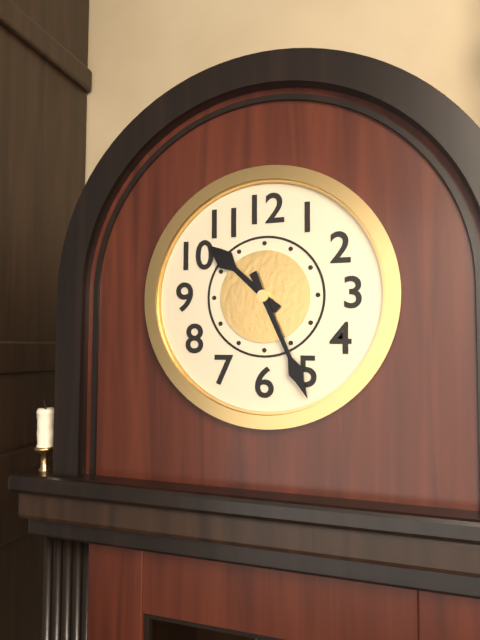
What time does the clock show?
10:26
